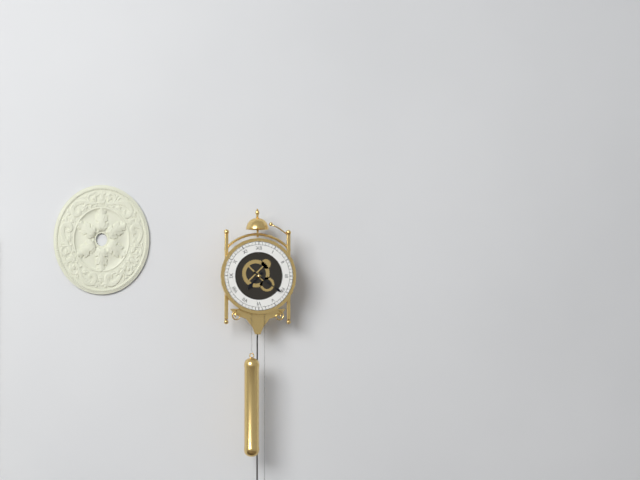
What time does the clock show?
7:21
